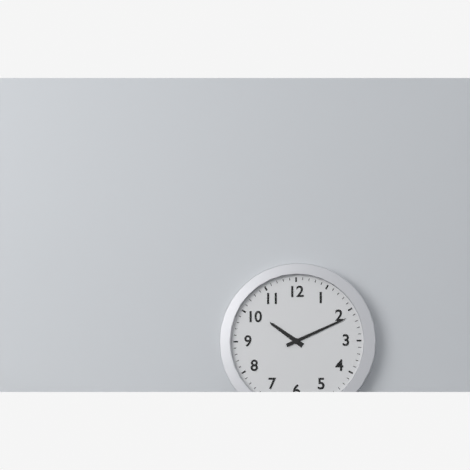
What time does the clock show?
10:11
